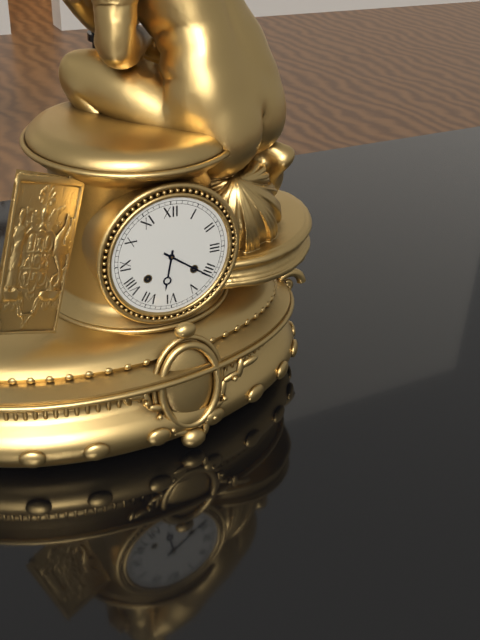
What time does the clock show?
6:21
